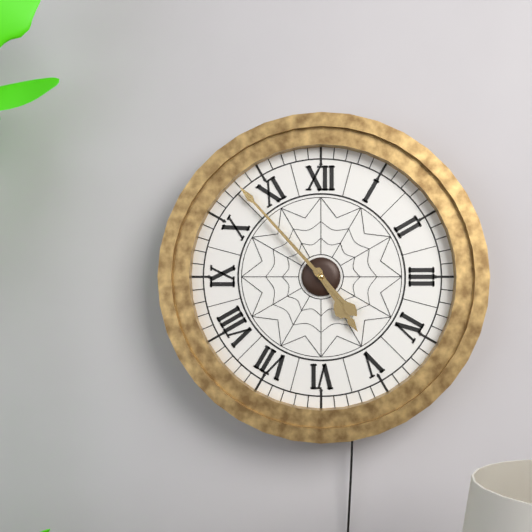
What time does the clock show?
4:53
